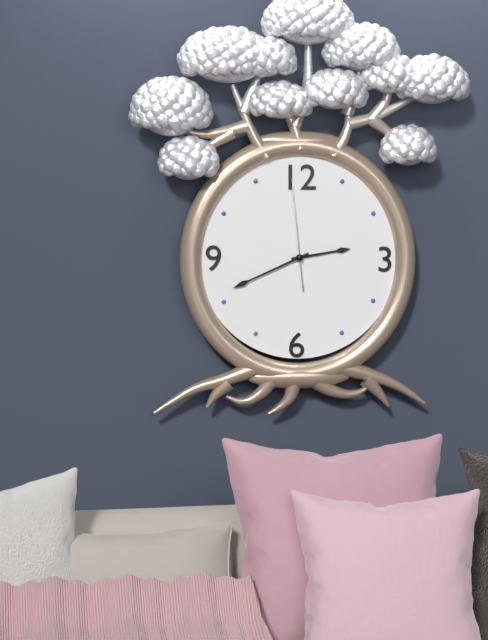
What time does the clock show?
2:41:59
